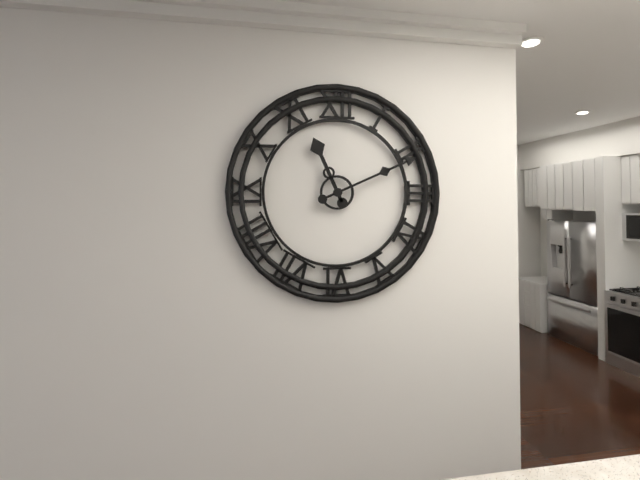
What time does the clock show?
11:11
